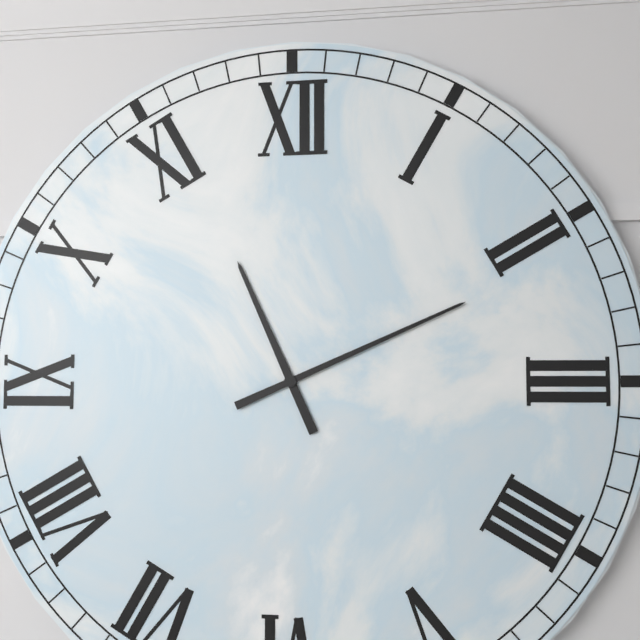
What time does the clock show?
11:11
